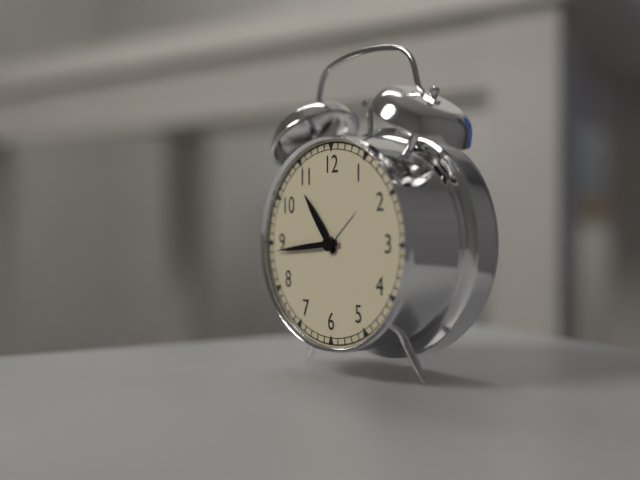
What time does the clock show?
10:44
